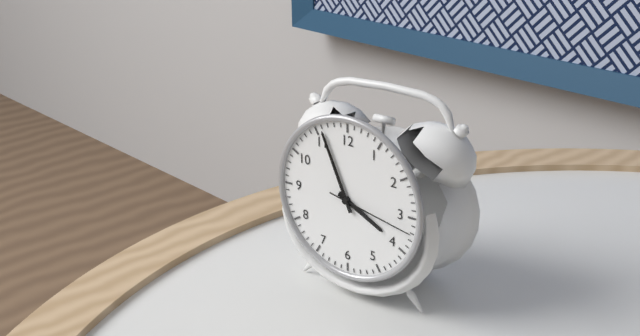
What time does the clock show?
3:56:17
